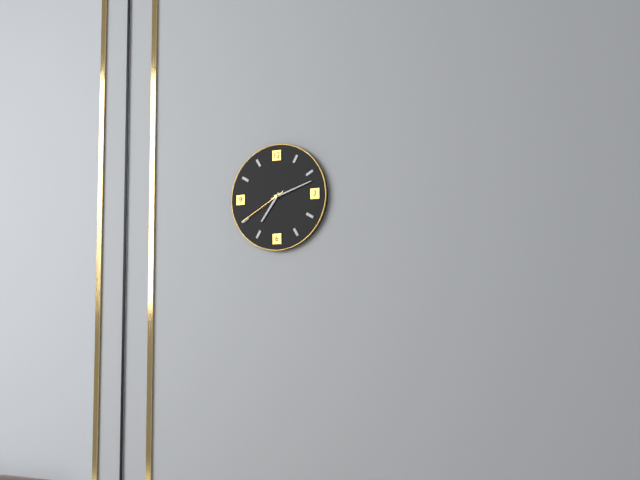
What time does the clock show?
7:12:40
